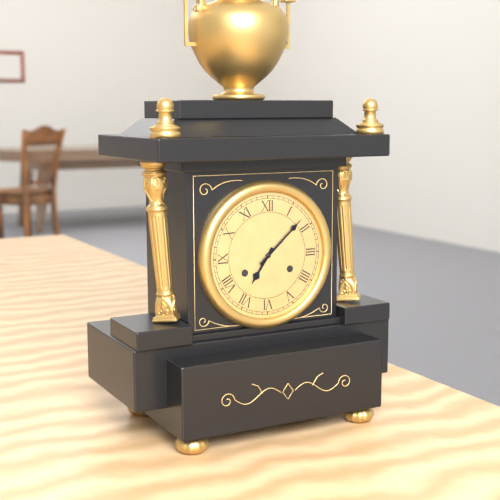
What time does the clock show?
7:08
